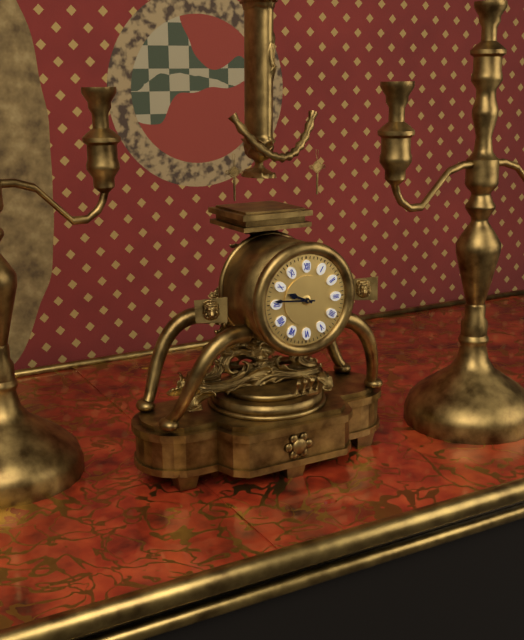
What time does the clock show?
9:46
